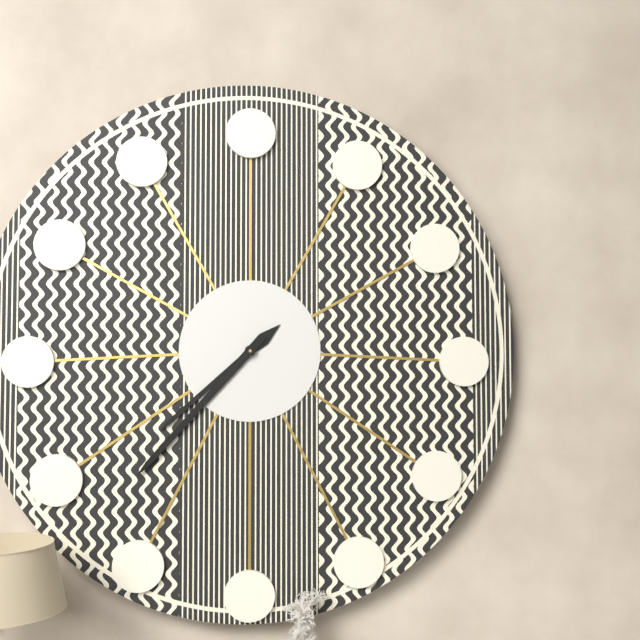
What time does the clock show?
7:37
